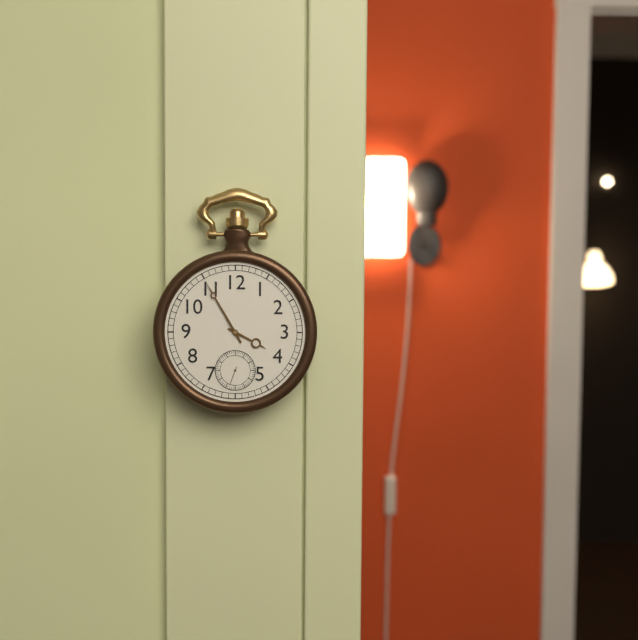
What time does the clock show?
3:55
